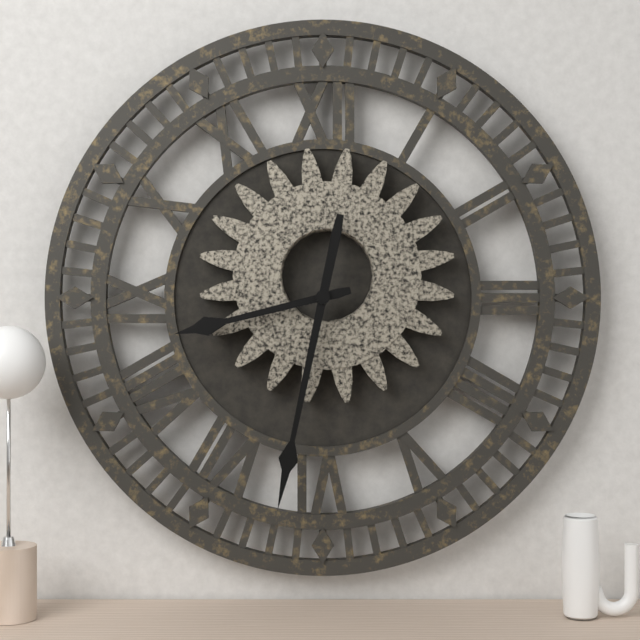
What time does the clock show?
8:32
